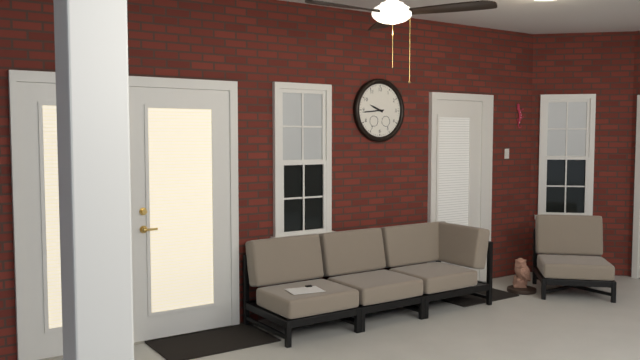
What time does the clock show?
9:44
